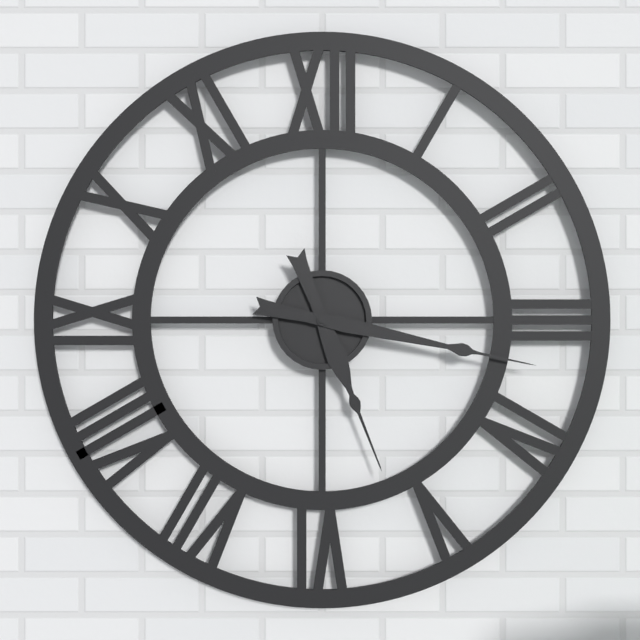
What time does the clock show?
5:17
